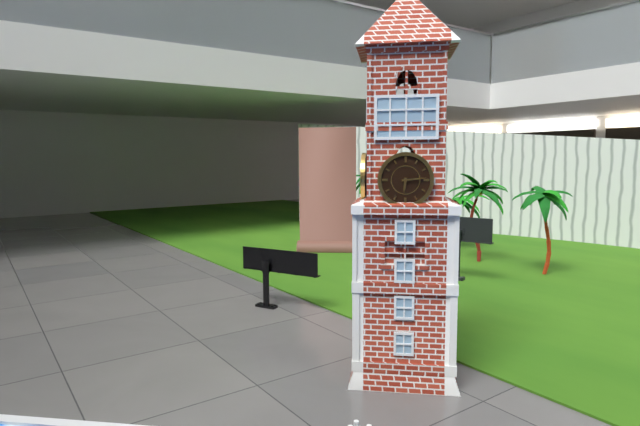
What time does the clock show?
6:14
